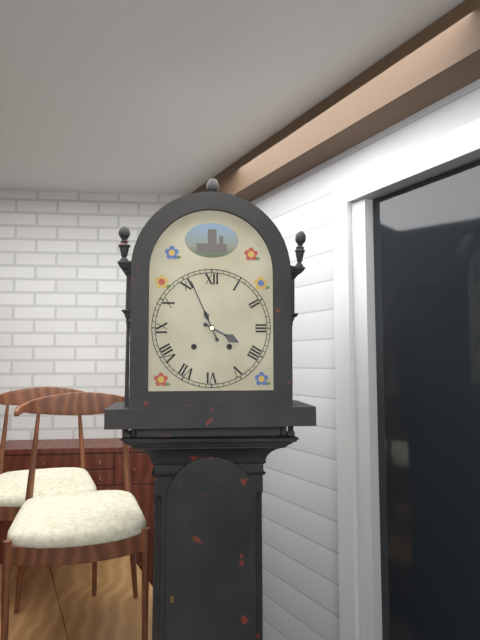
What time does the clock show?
3:56
